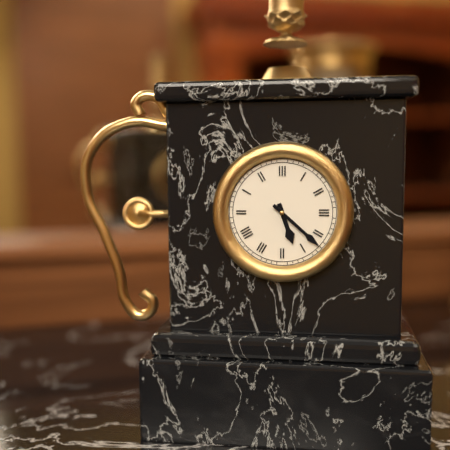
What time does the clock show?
5:22
